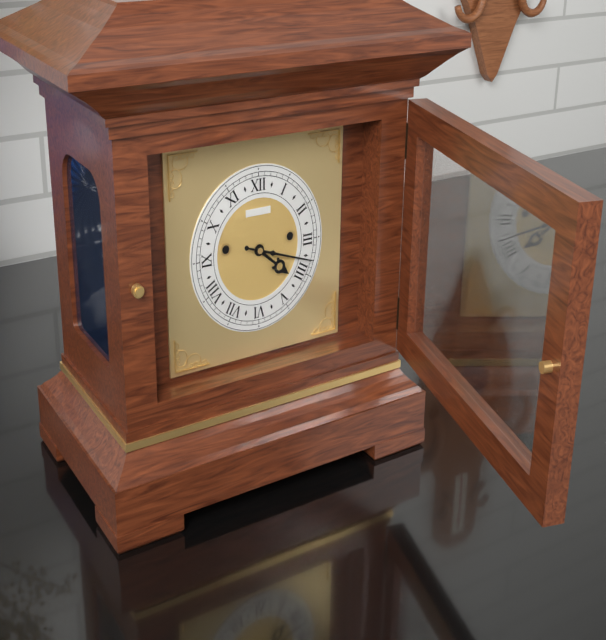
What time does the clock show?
4:18
